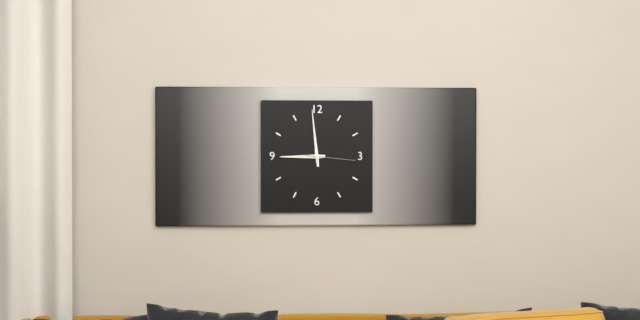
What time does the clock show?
8:59
